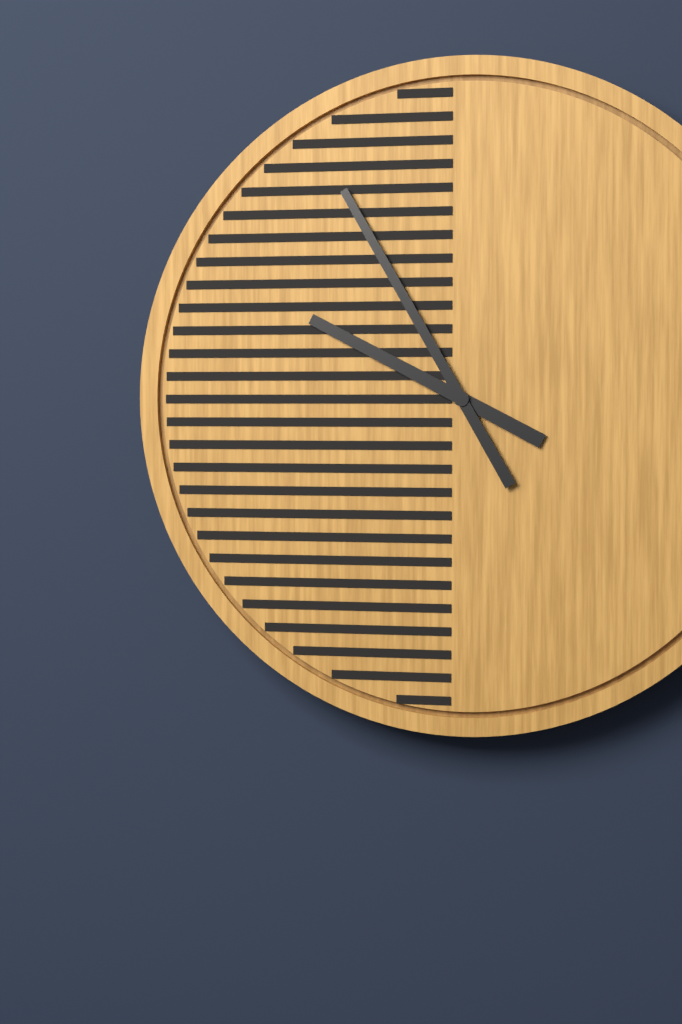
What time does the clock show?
9:55
